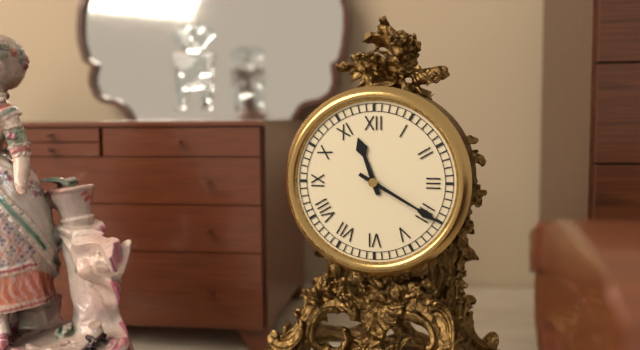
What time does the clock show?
11:20
